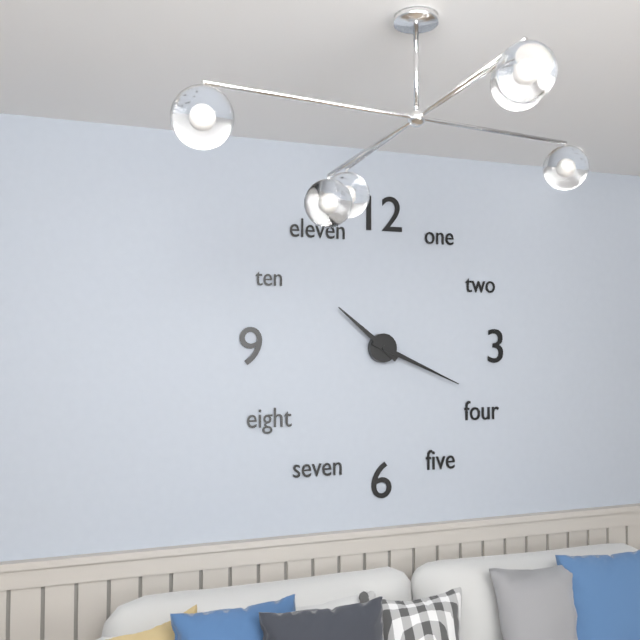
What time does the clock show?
10:19
